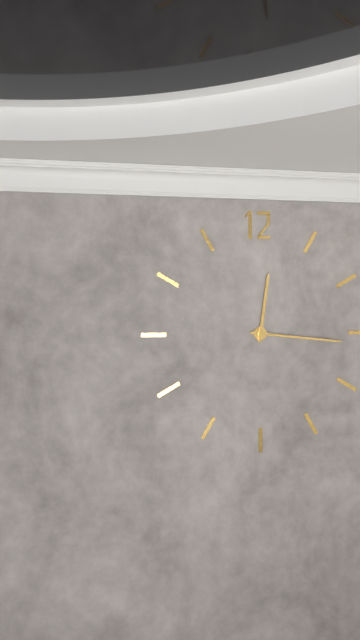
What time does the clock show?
12:16
